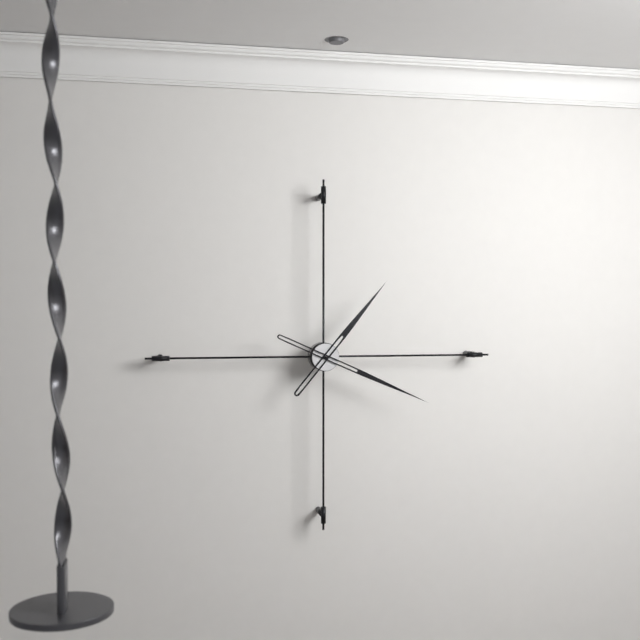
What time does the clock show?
1:19
